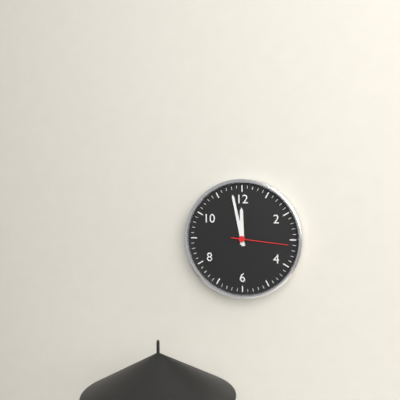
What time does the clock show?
11:58:16
